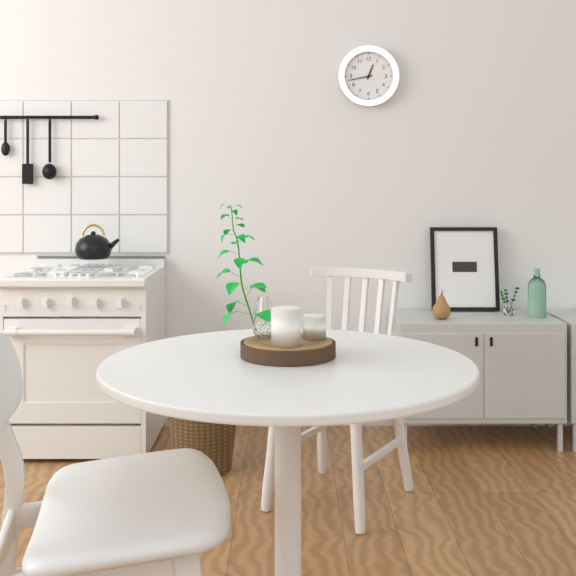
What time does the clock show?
12:43
